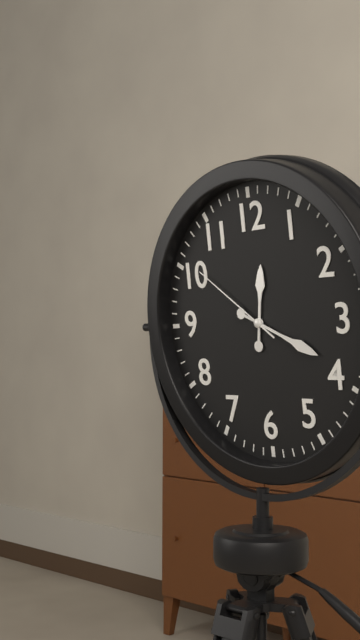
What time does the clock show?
12:19:51
